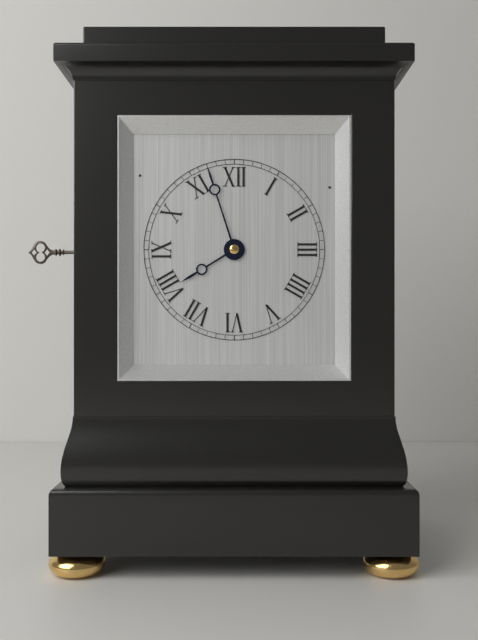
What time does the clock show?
7:57
